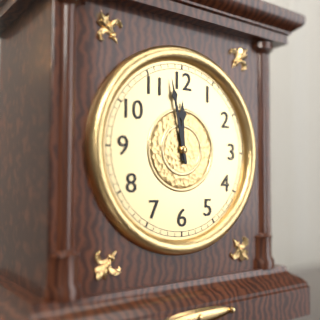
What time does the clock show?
11:58
